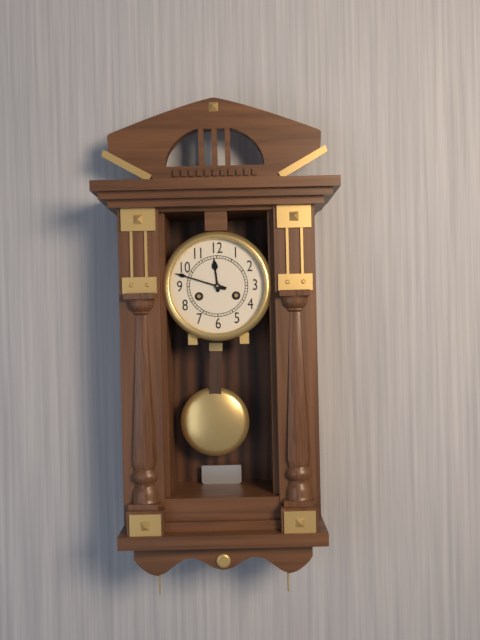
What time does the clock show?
11:48
